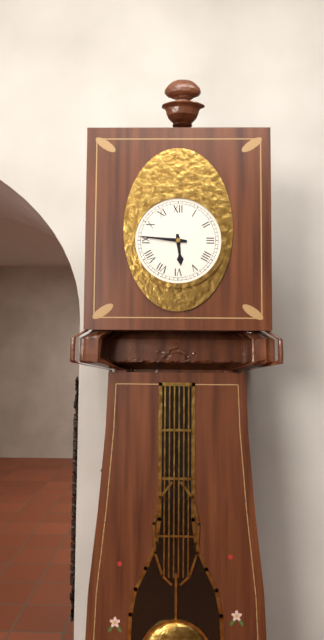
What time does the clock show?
5:46
